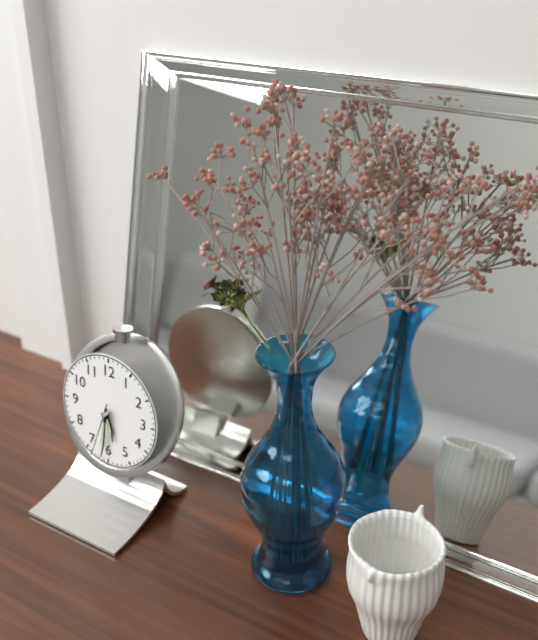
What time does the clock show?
5:31:33
